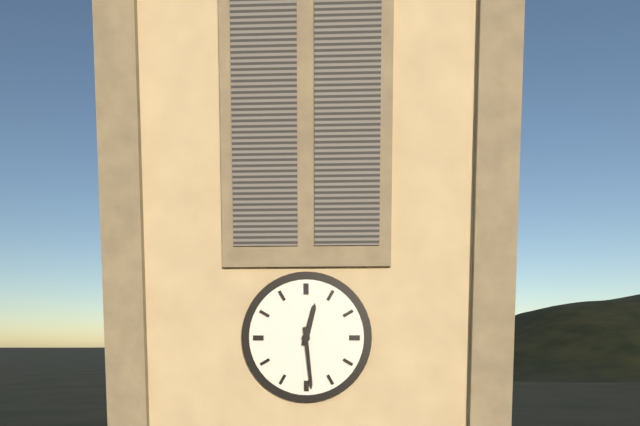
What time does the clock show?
12:29
